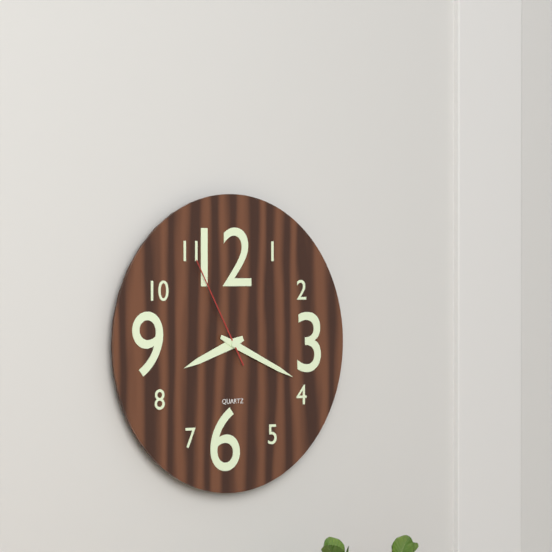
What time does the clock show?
8:19:55
